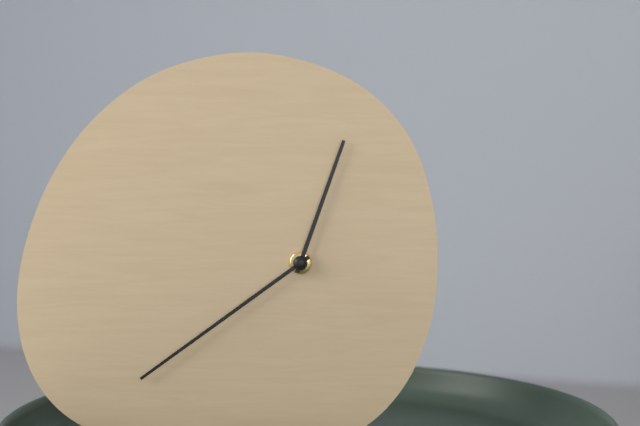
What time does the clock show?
12:39
